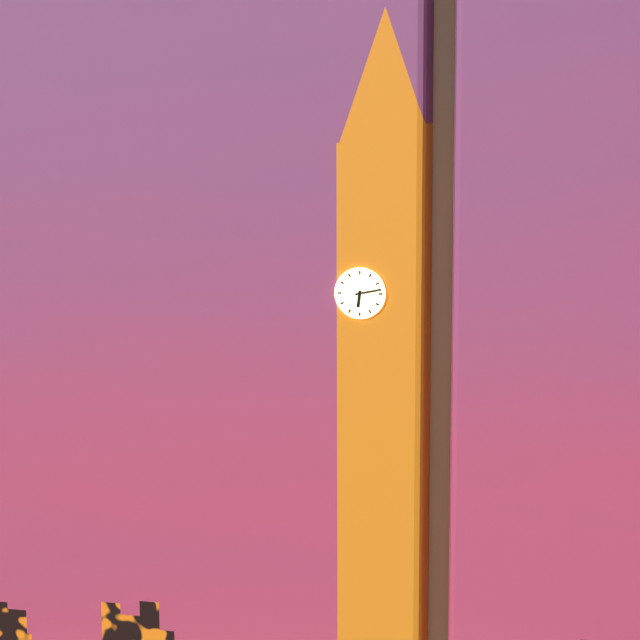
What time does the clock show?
6:13
